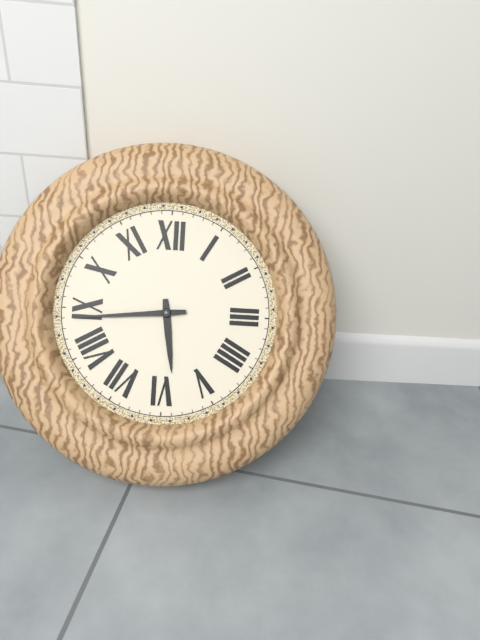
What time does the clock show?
5:44
